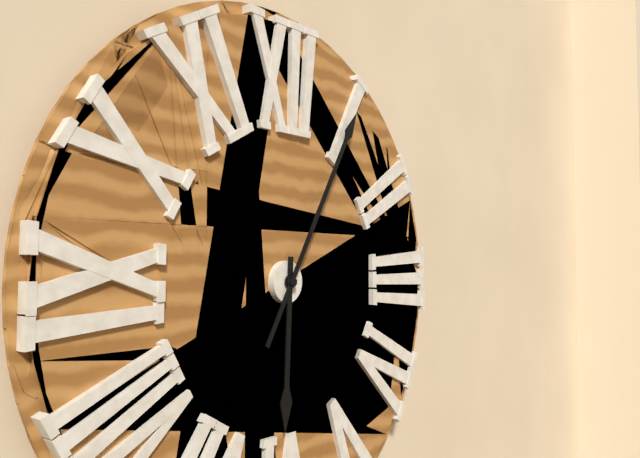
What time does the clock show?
6:05
